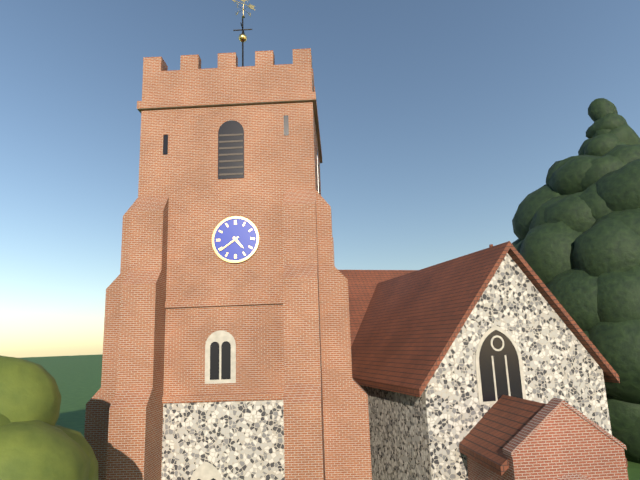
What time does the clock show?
4:39
